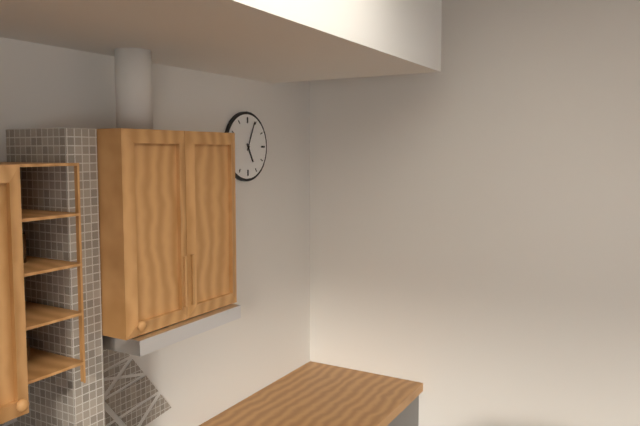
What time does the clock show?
5:04
